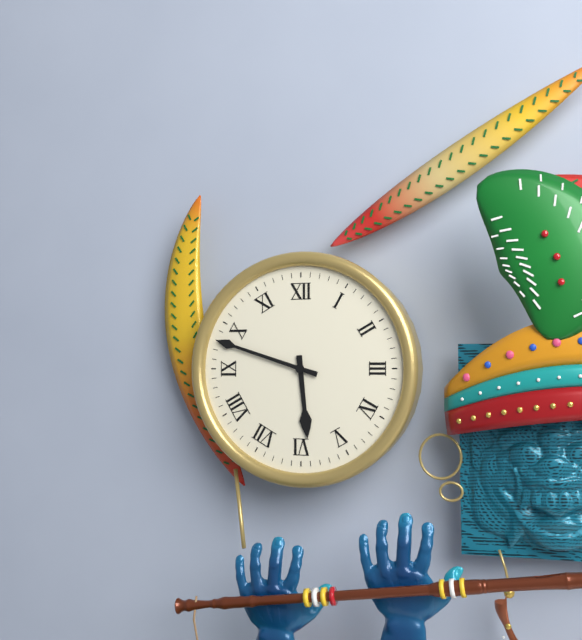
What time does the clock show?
5:48
